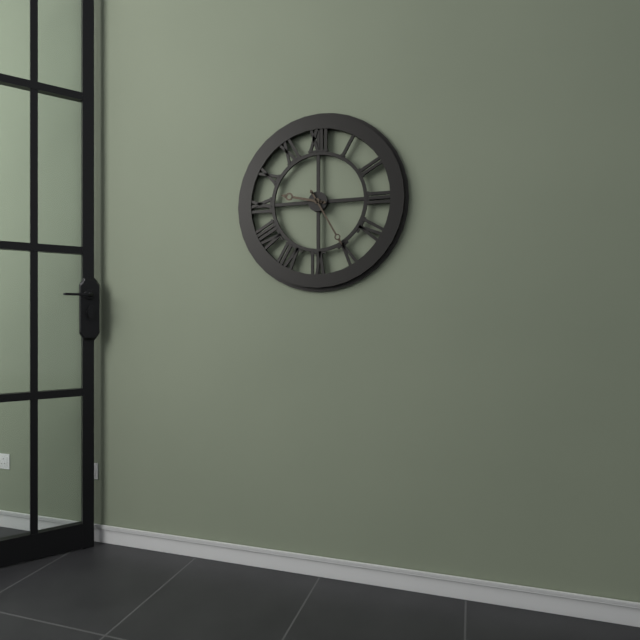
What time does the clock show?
9:25
